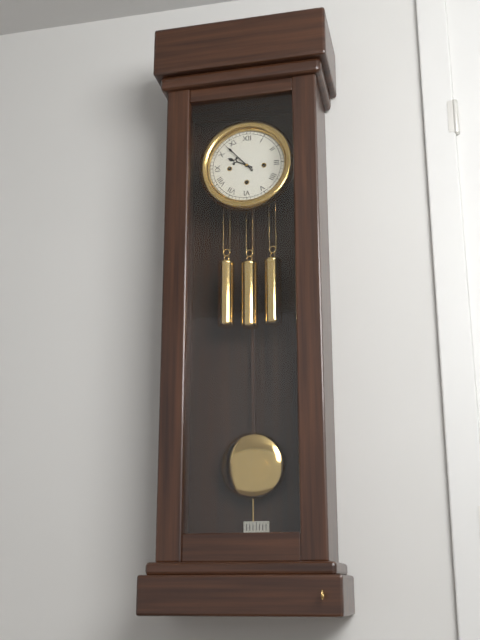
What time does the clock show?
9:53
